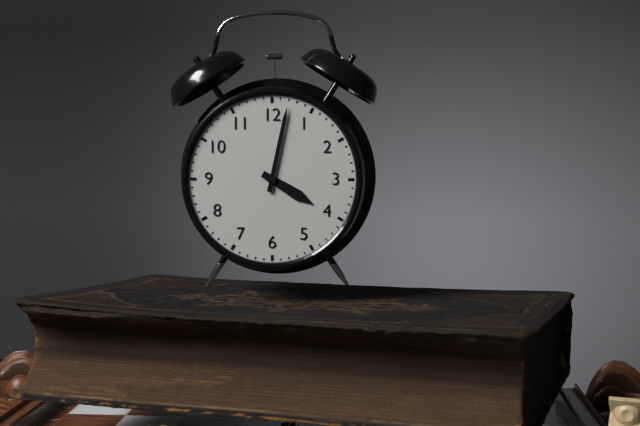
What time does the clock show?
4:02
